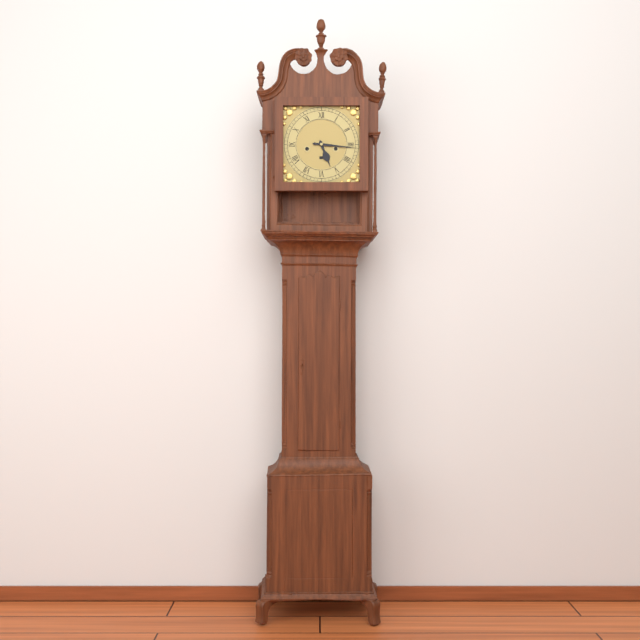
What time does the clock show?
5:16
